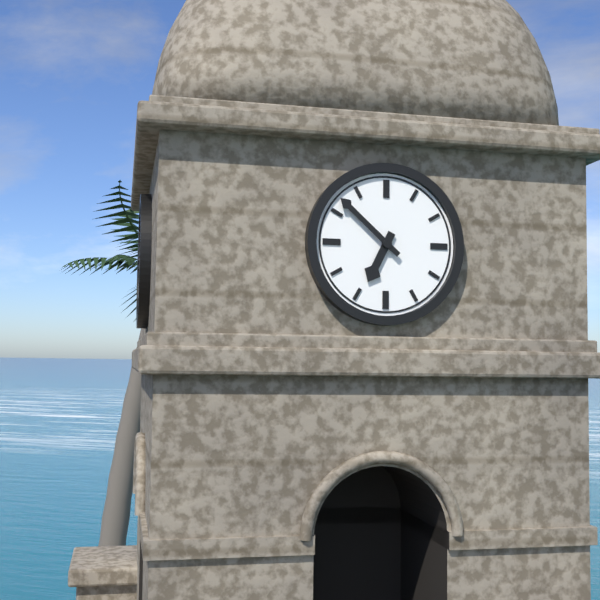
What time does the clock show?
6:52
